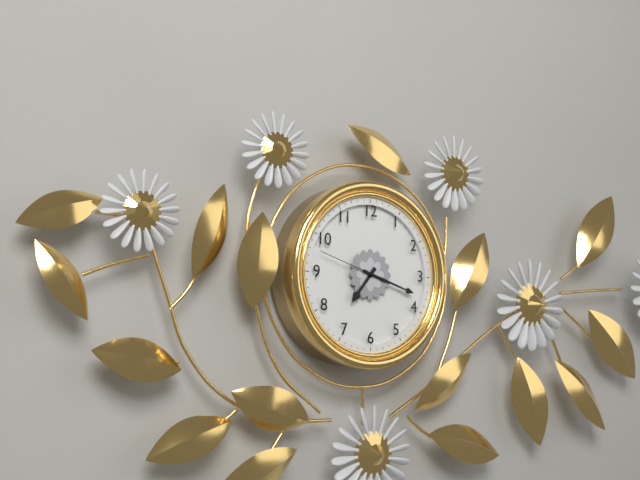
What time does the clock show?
7:18:48
